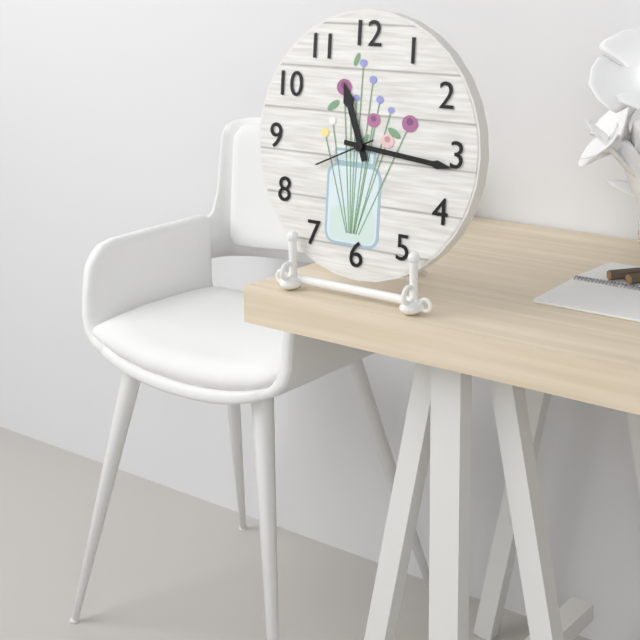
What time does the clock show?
11:16:41
